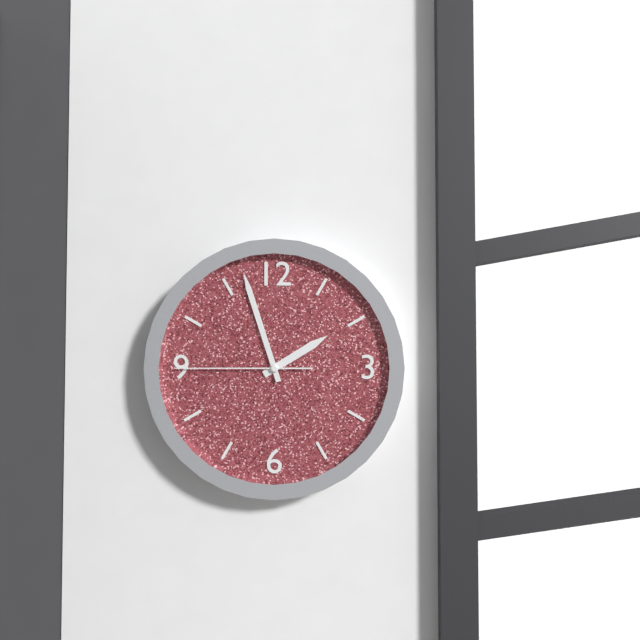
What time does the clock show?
1:57:45
